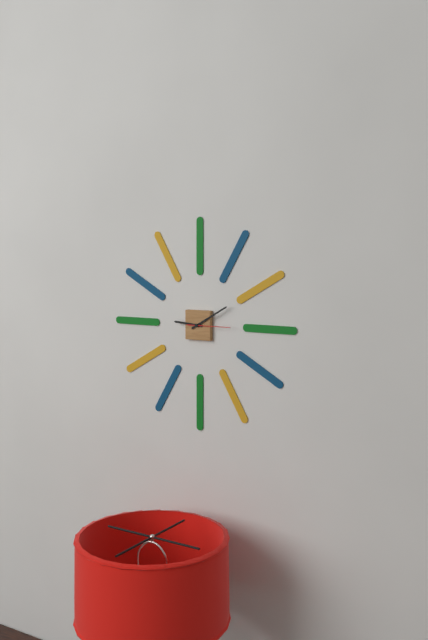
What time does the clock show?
9:10
